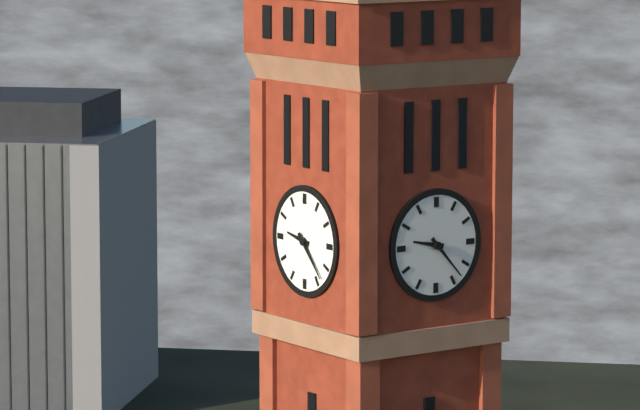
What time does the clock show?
9:23
